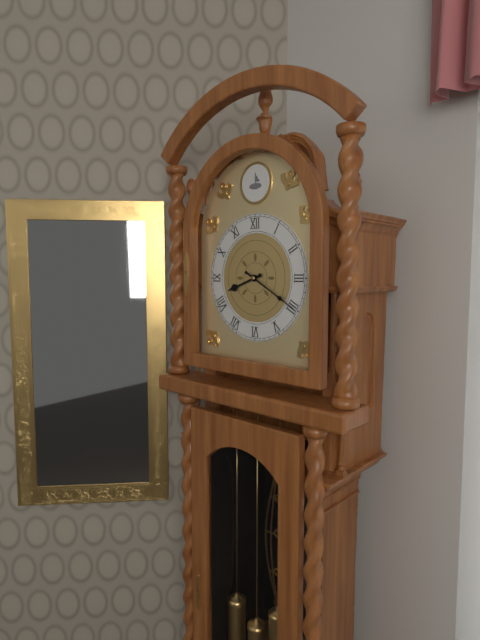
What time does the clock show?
8:20
